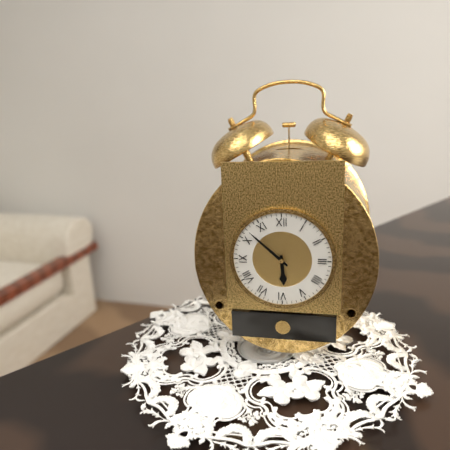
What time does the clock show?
5:52
